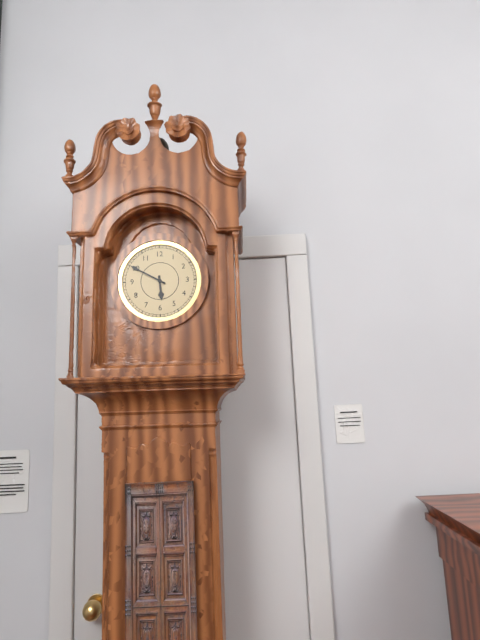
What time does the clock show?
5:50
